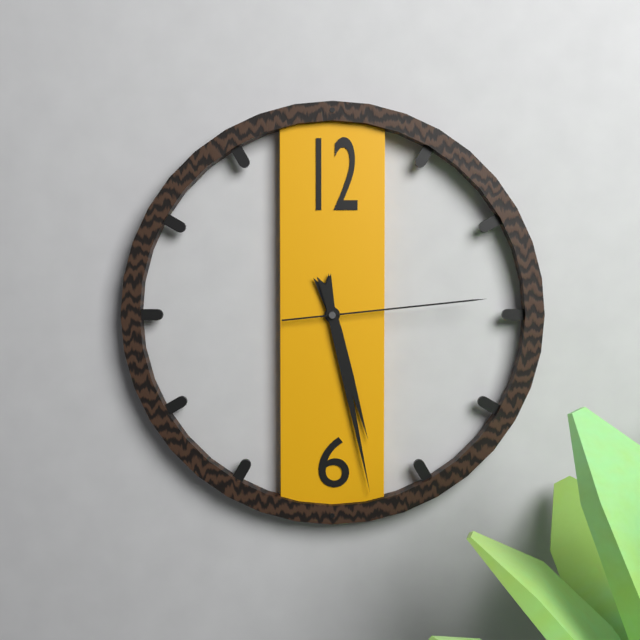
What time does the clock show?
5:28:14
